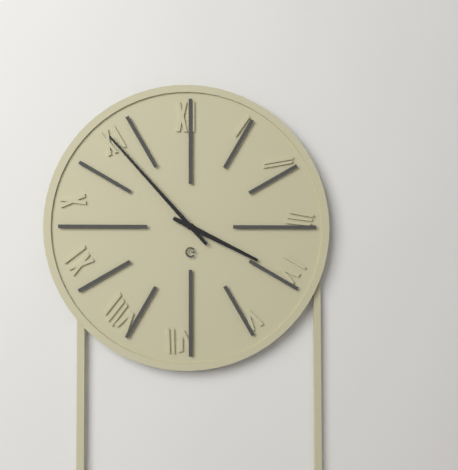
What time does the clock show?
3:53
